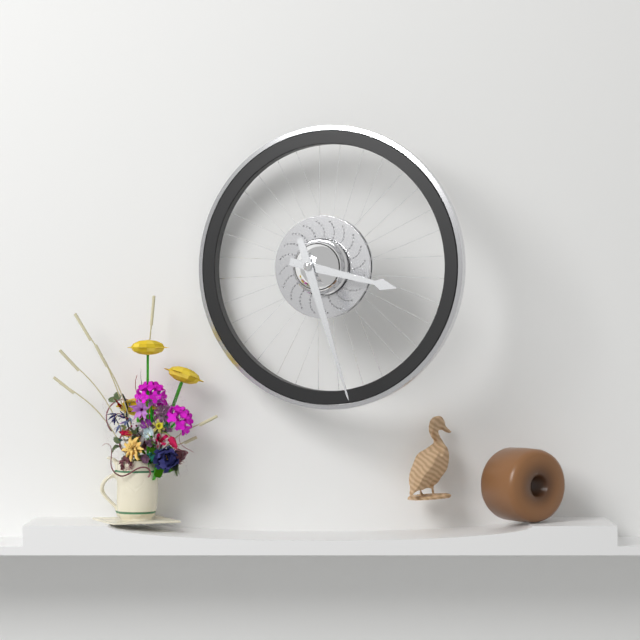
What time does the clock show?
3:27
